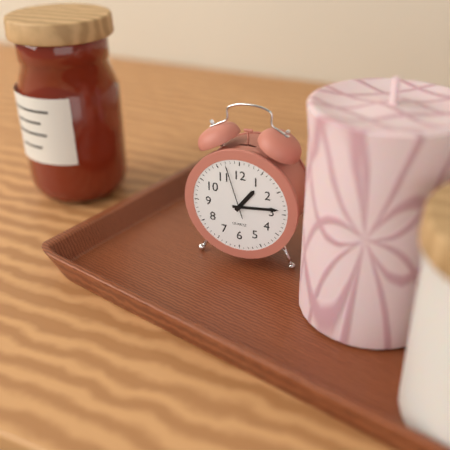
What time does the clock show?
1:14:57
